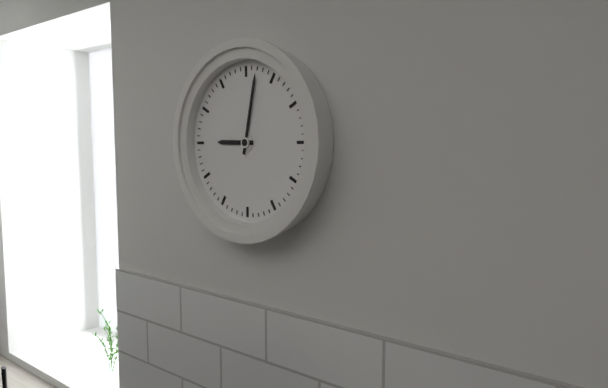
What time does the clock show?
9:02
